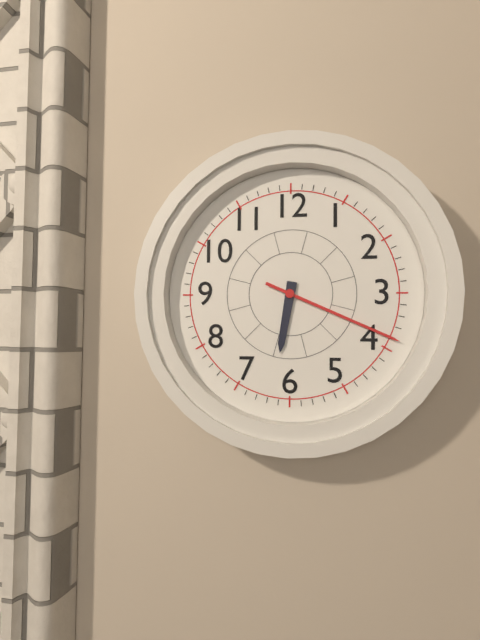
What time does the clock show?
6:19
